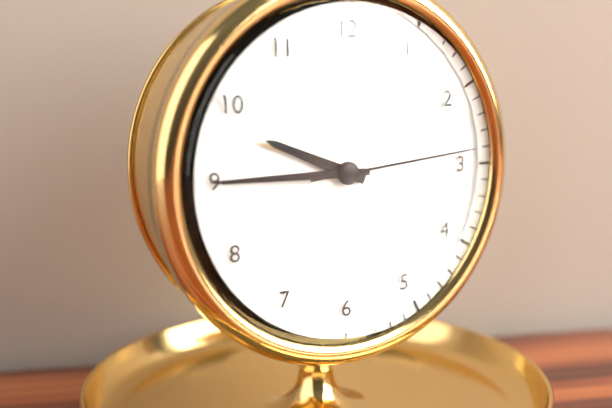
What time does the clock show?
9:45:14
